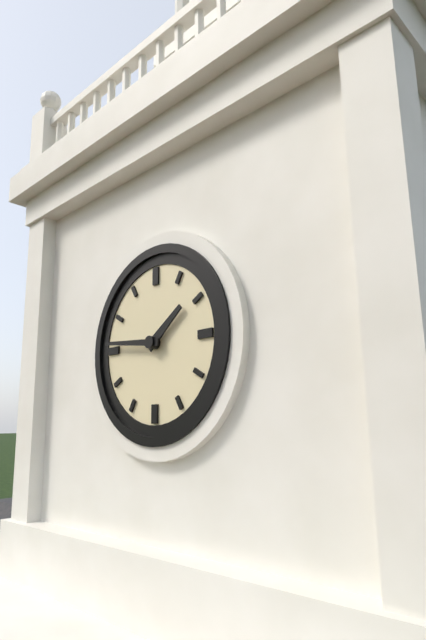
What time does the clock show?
1:46
